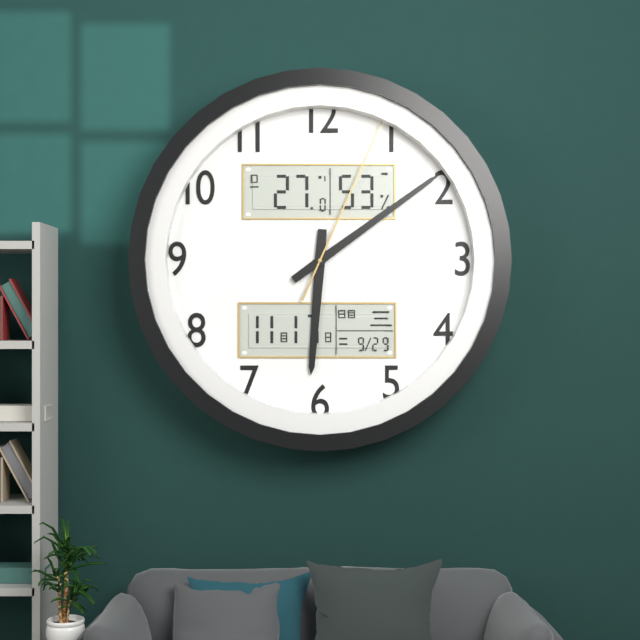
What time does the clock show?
6:09:04
